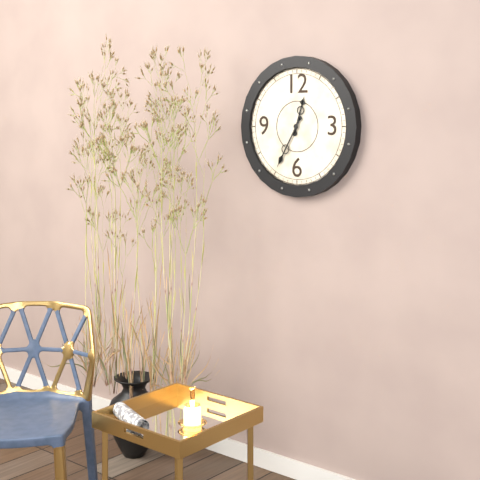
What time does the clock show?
12:35
